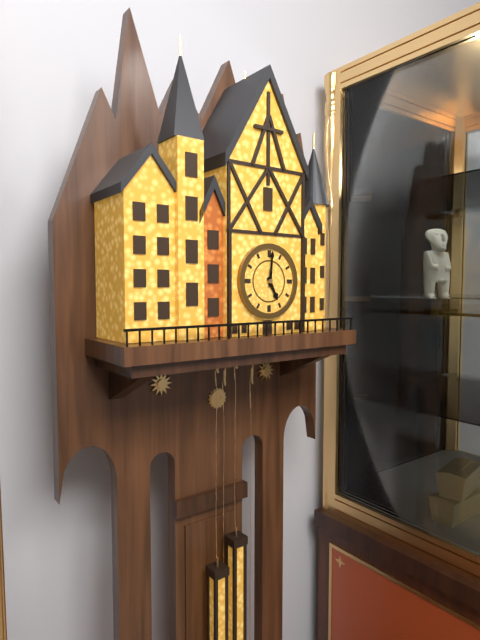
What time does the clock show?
5:01
